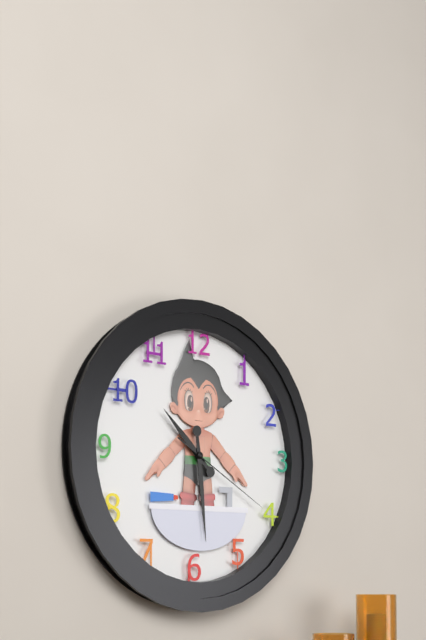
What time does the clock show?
10:29:20
